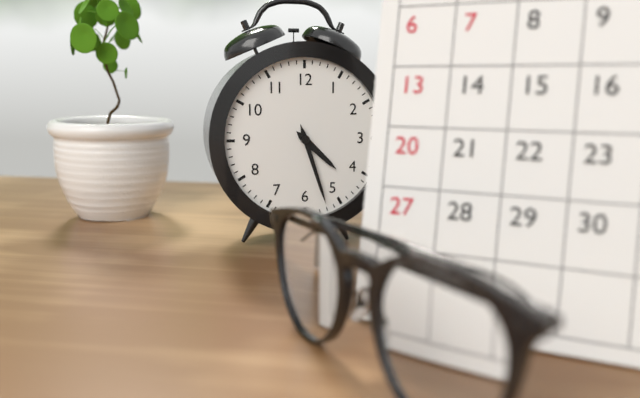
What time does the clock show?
4:27
